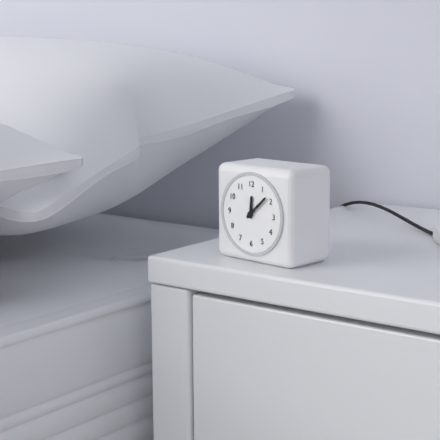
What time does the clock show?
12:08
